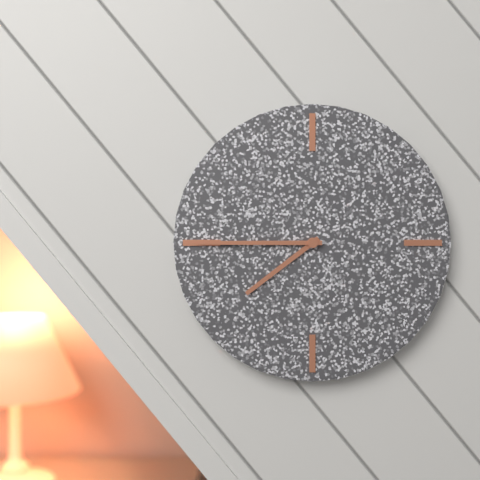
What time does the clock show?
7:45
